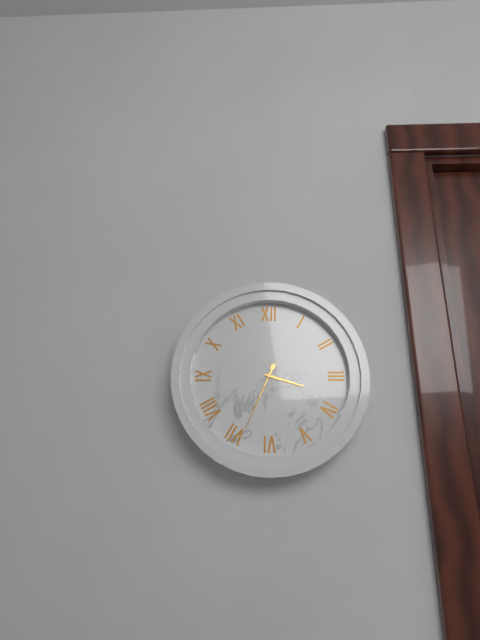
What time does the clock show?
3:34
